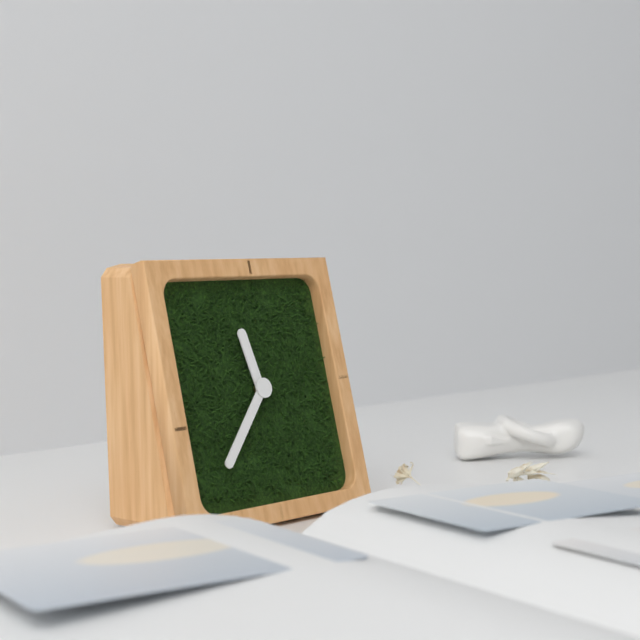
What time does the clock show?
11:37
